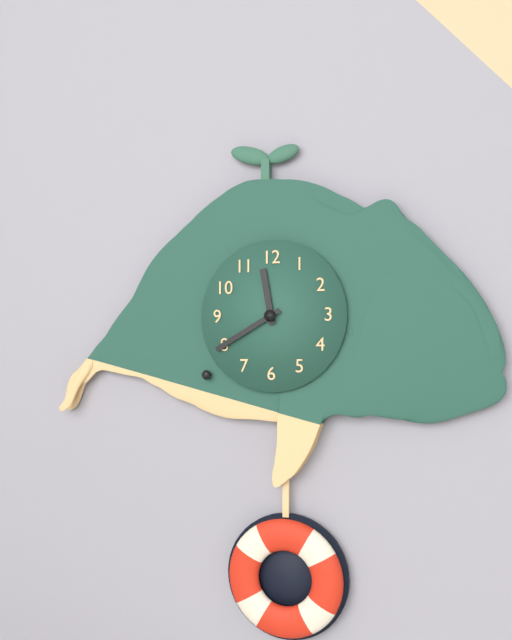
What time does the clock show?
11:40
